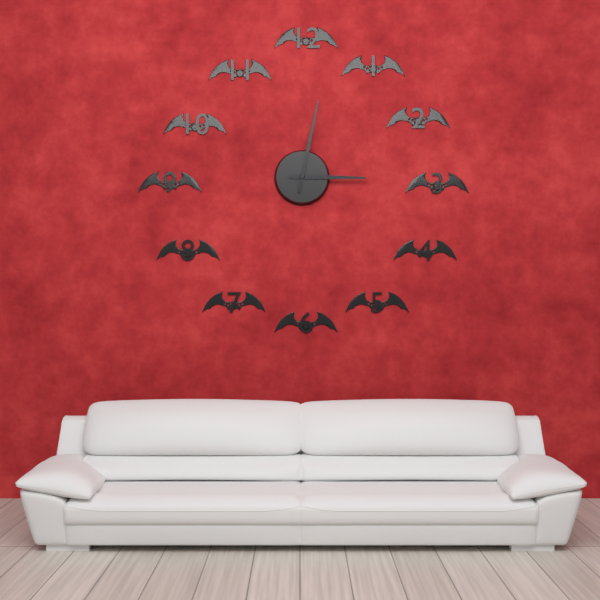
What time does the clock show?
3:02
